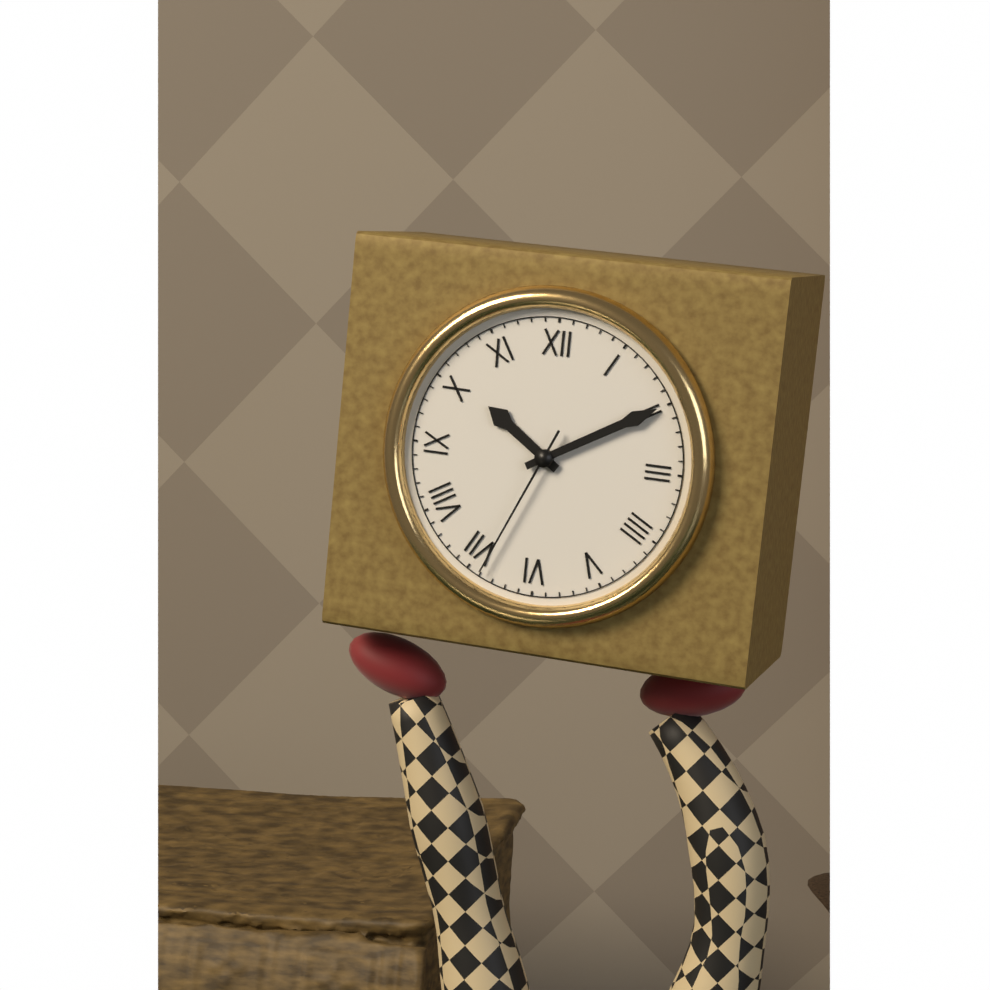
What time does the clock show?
10:10:34
